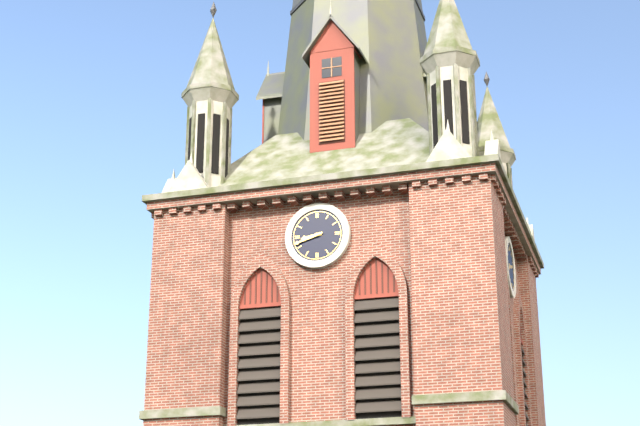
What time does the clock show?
8:42
